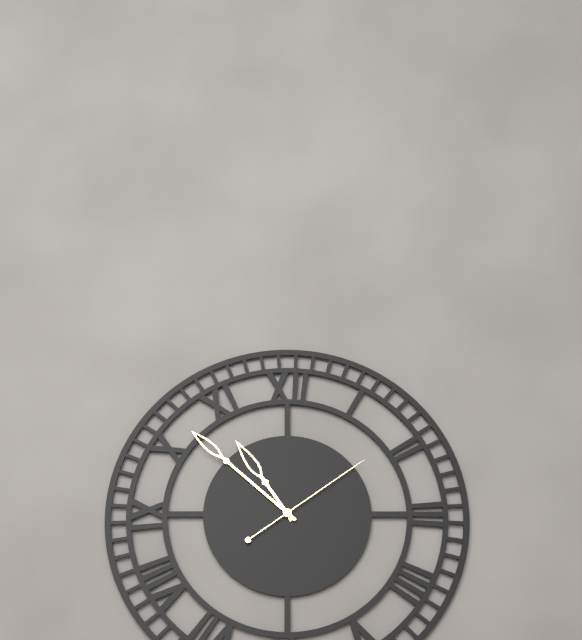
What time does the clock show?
10:52:09
